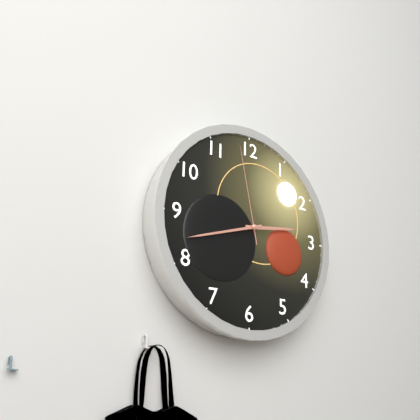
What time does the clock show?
2:42:58
